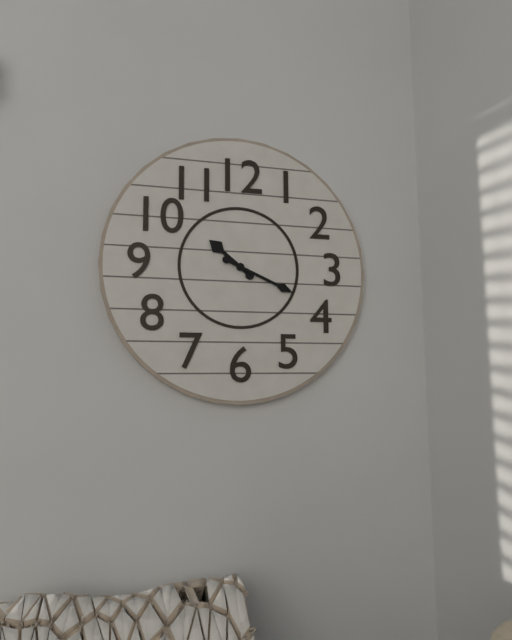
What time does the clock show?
10:19
